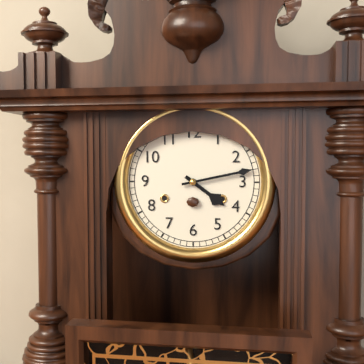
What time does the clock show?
4:13
